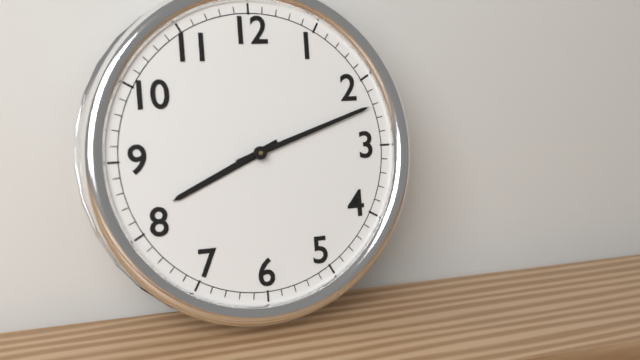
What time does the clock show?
8:12
